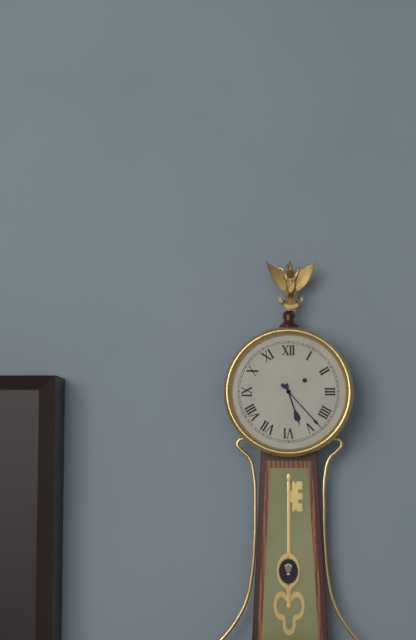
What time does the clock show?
5:23
